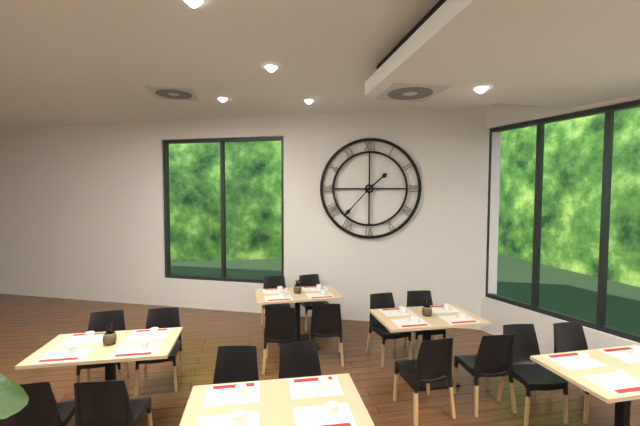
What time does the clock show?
1:37
